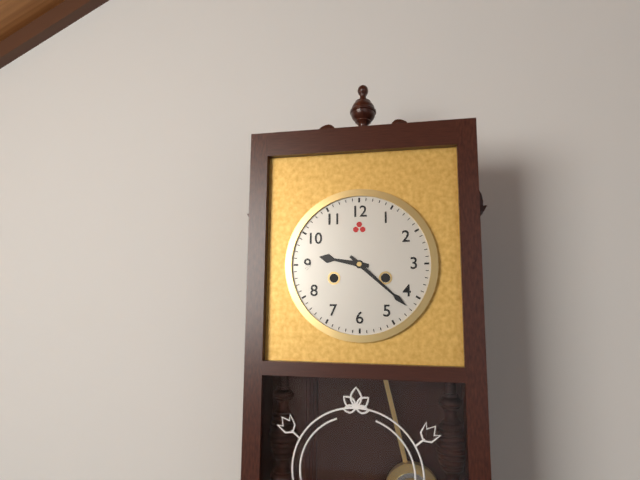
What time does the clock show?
9:22
